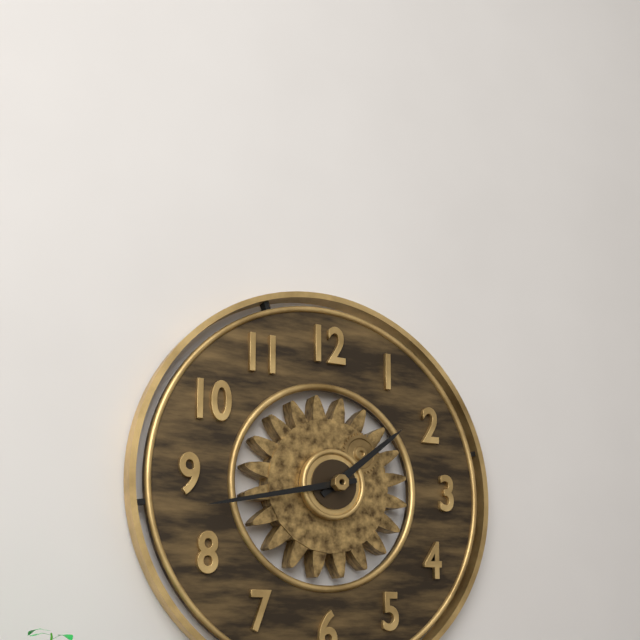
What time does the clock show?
1:43
